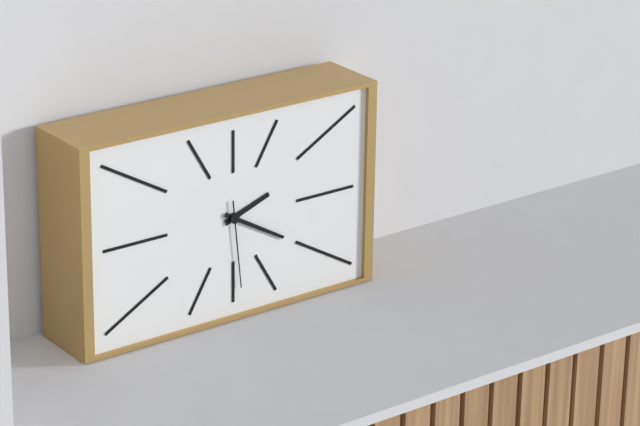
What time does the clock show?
2:20:29
